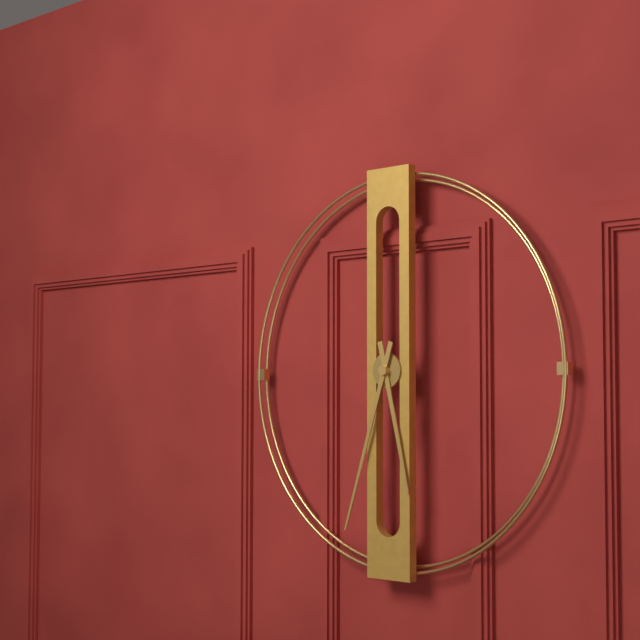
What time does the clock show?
5:33
